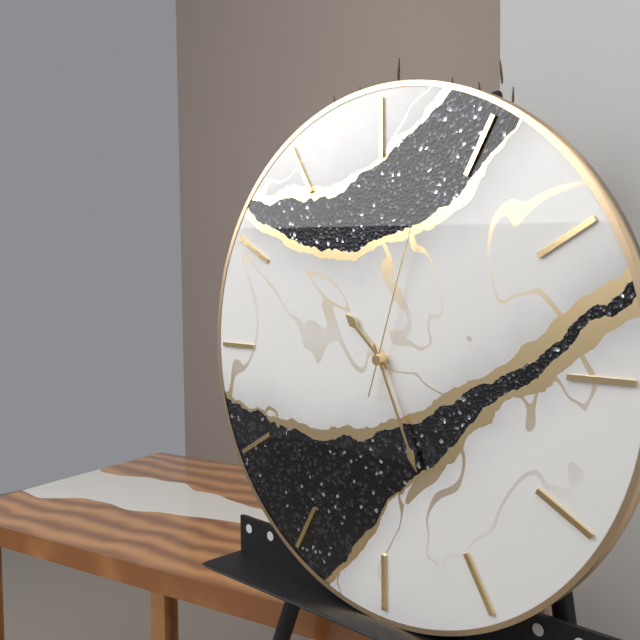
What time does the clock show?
10:26:03
